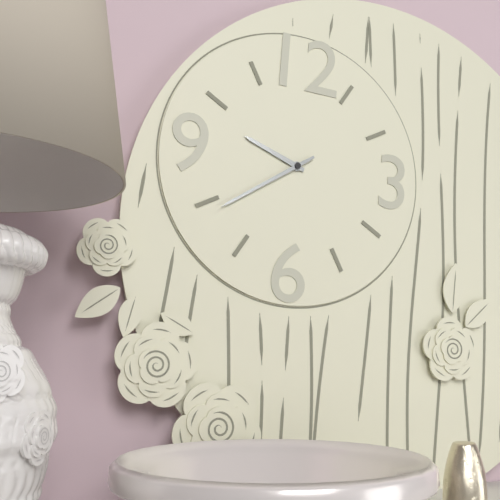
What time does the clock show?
9:39
